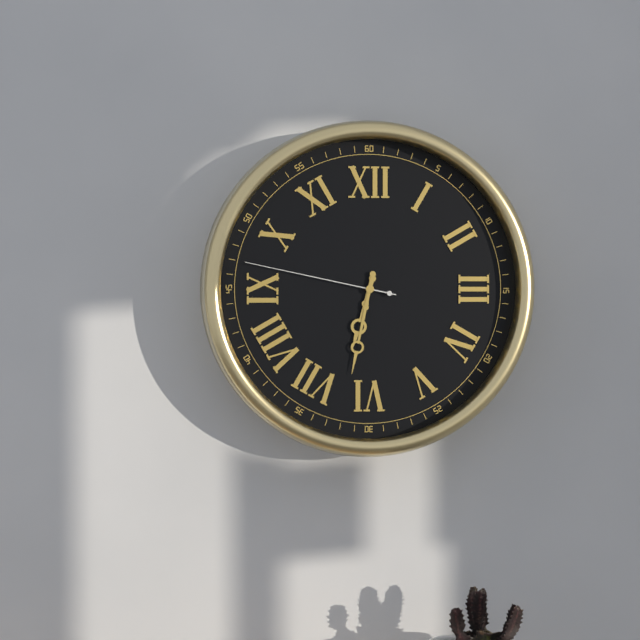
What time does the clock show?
6:32:47
